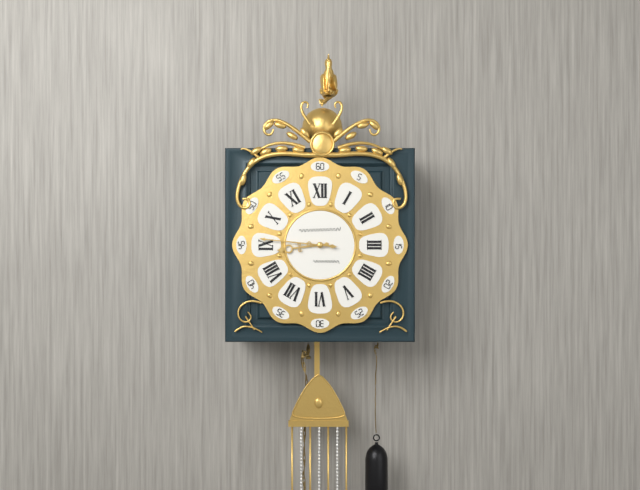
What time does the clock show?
8:46
